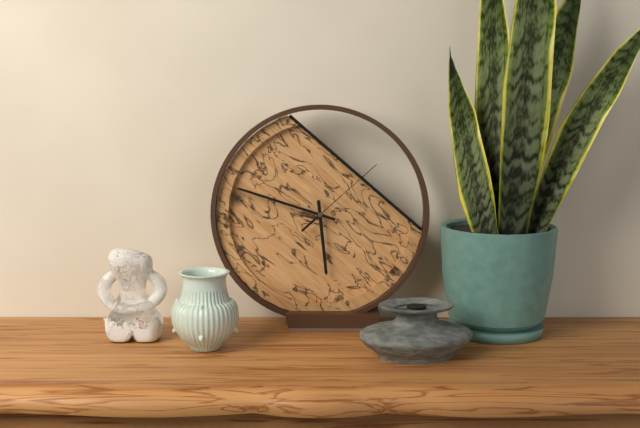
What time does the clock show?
5:48:08
